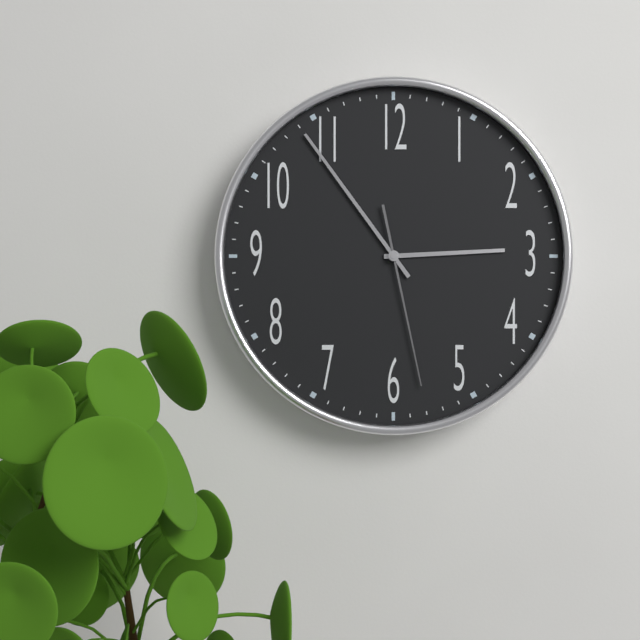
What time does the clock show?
2:54:28
